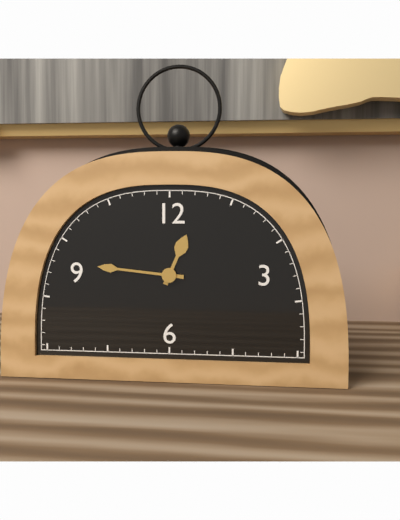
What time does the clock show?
12:46
